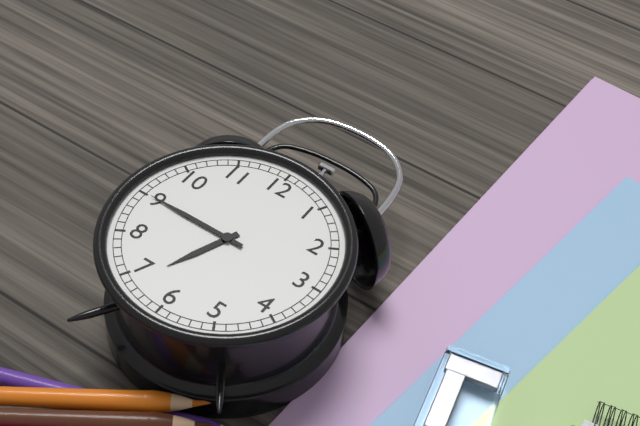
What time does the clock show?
6:45
